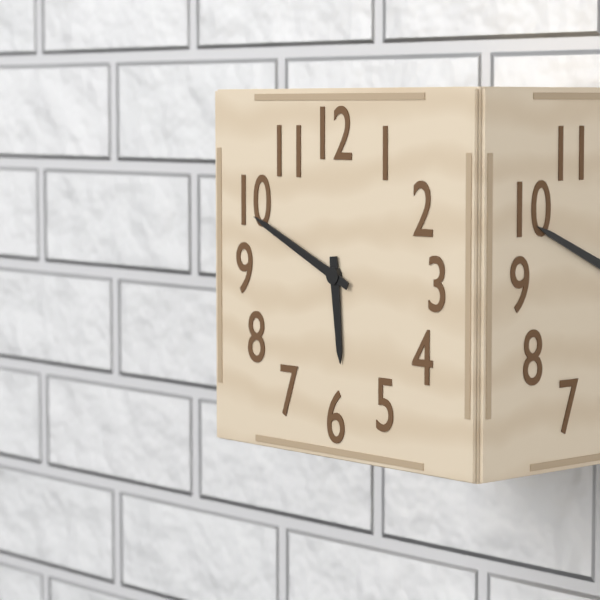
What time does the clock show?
5:49
